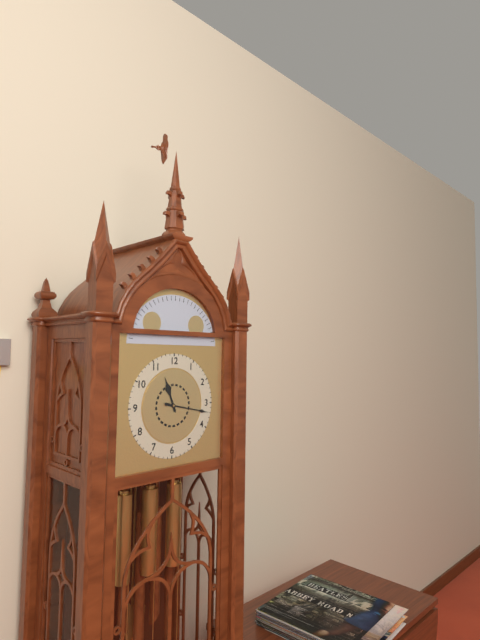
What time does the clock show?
11:17
